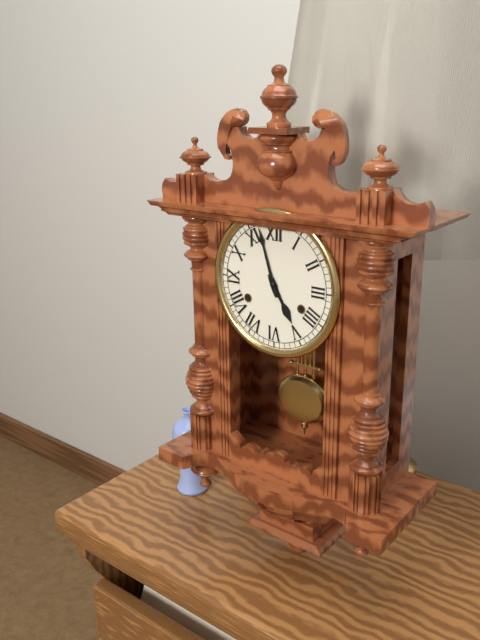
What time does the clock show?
4:57
